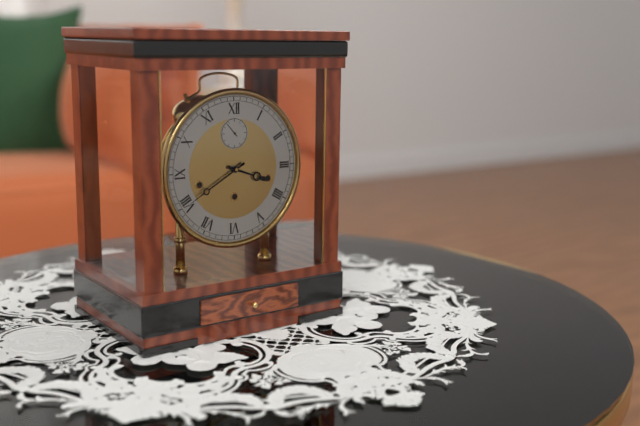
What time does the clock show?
3:40
